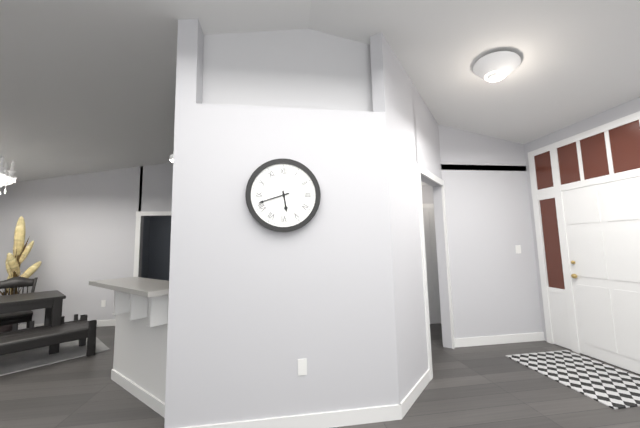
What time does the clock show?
5:42
